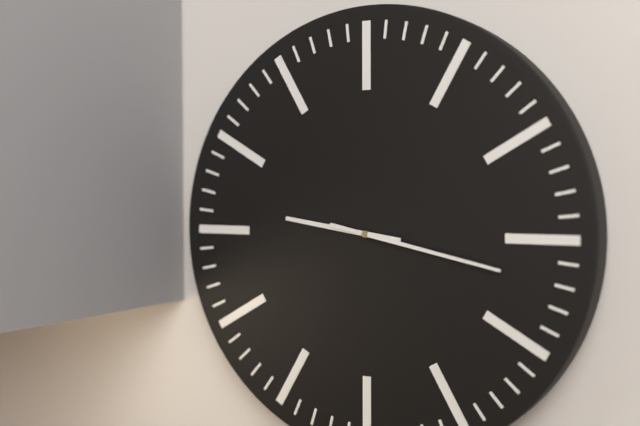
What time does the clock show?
9:17
